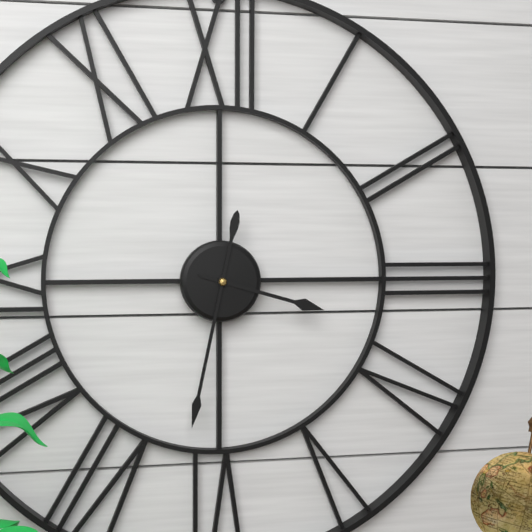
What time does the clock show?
3:32
